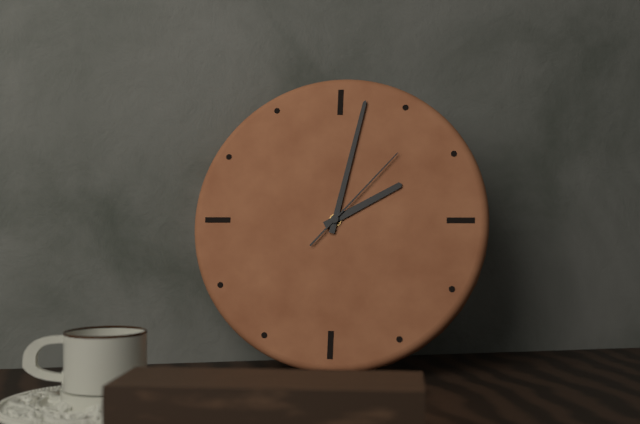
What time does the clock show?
2:02:07
